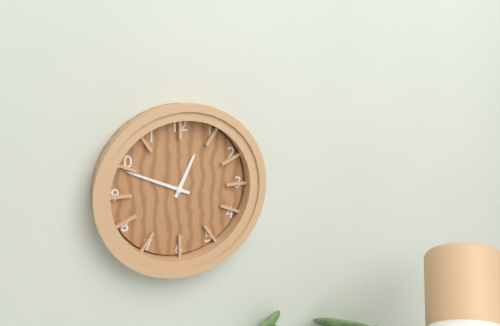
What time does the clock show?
12:49
